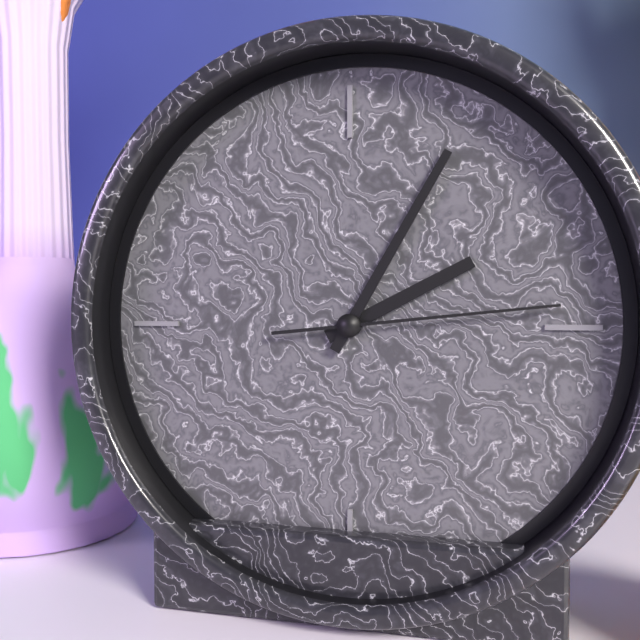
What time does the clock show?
2:05:14
